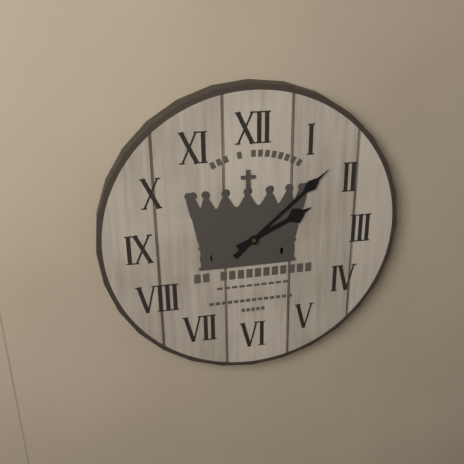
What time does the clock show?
2:08
